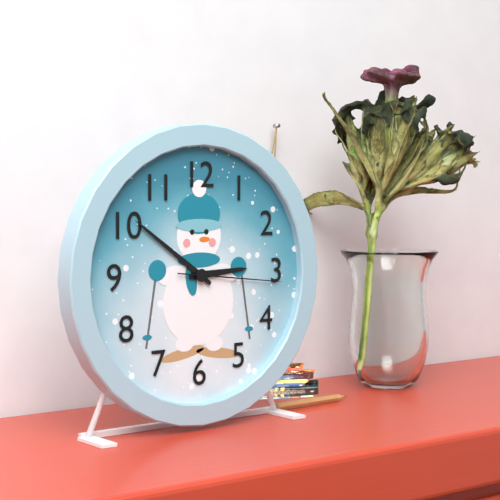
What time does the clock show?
2:51:16
